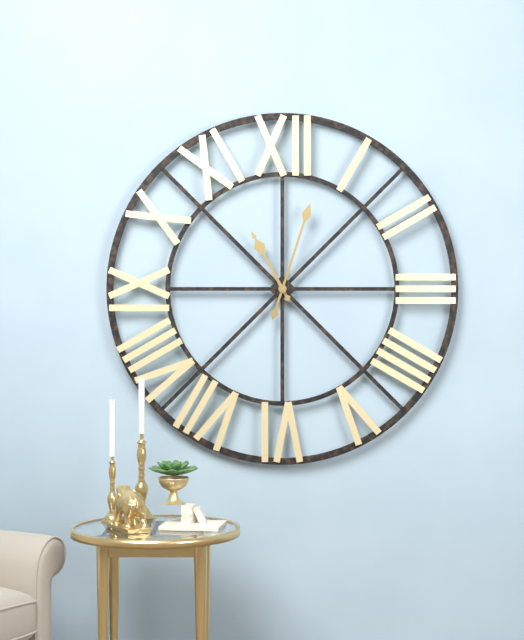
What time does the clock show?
11:03
